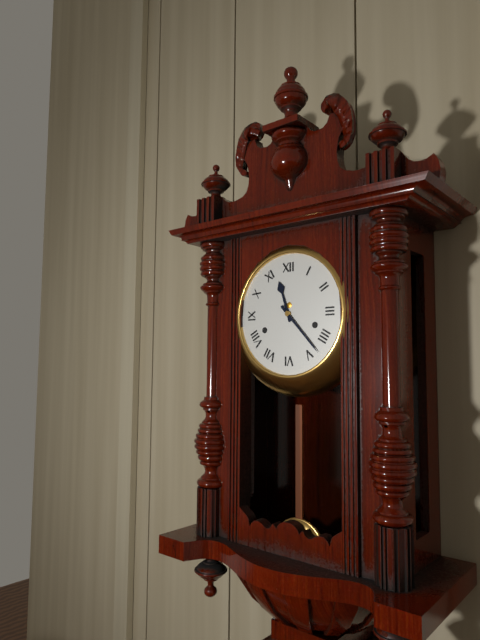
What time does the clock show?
11:23
